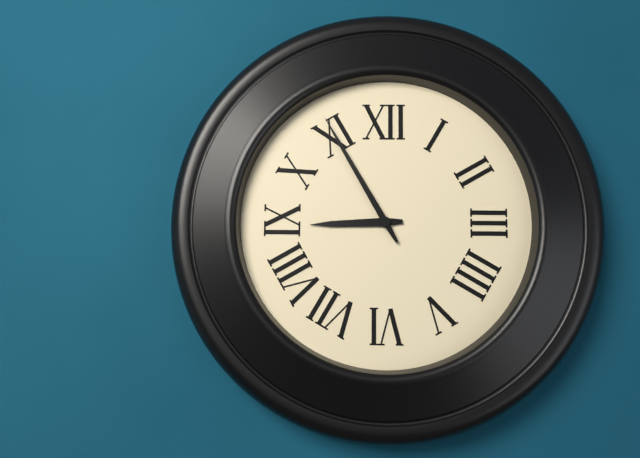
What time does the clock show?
8:55
